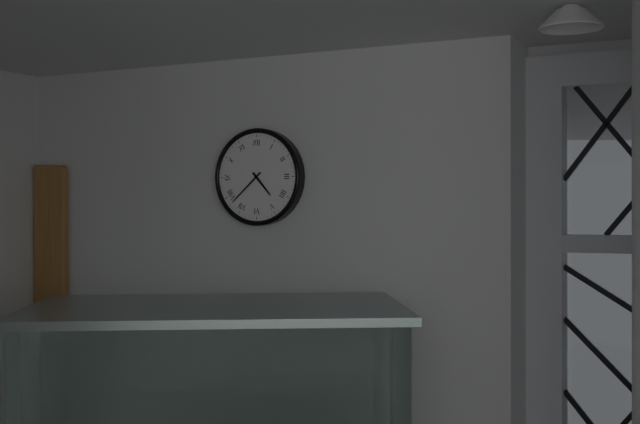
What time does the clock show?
4:38
